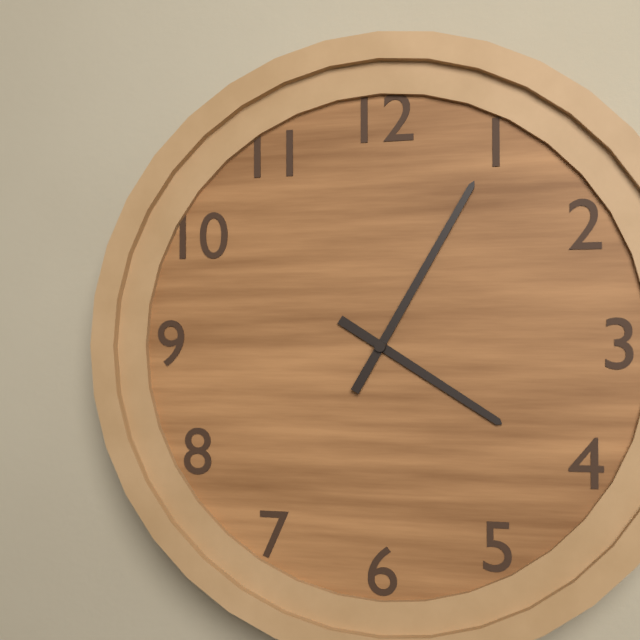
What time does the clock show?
4:05
